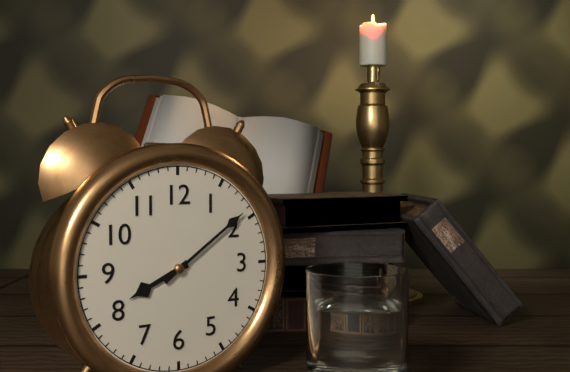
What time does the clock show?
8:09
